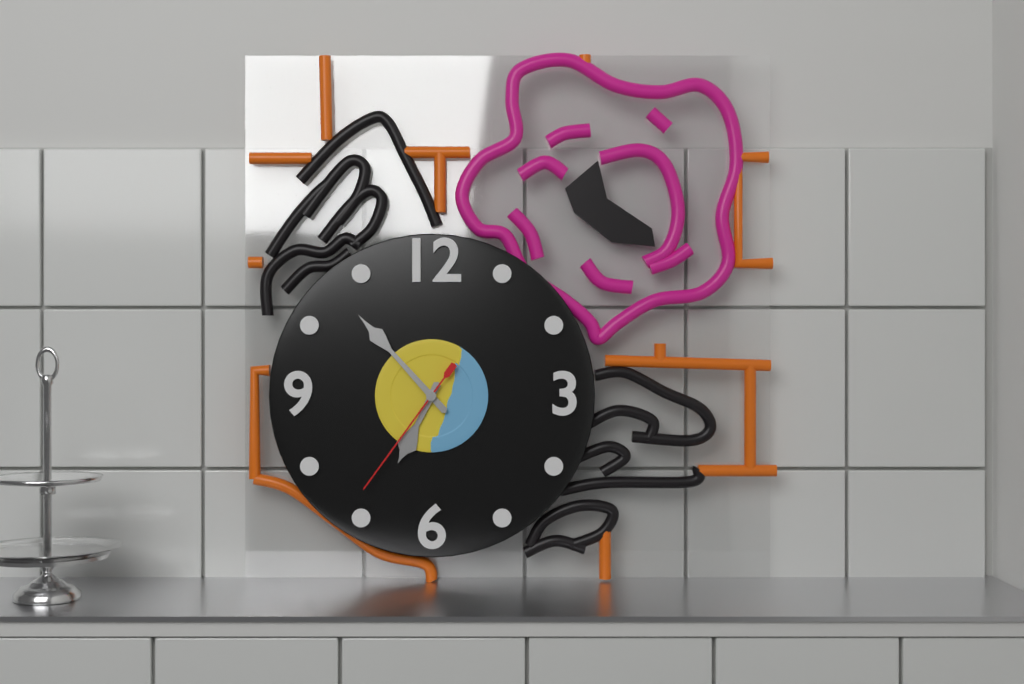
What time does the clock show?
6:53:36
